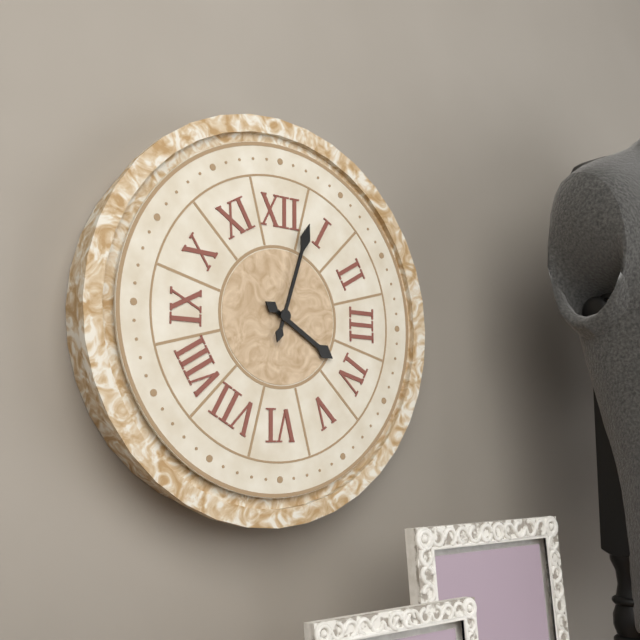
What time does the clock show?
4:03
